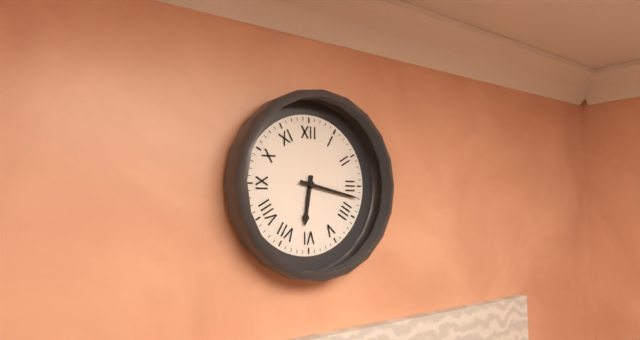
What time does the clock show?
6:17
